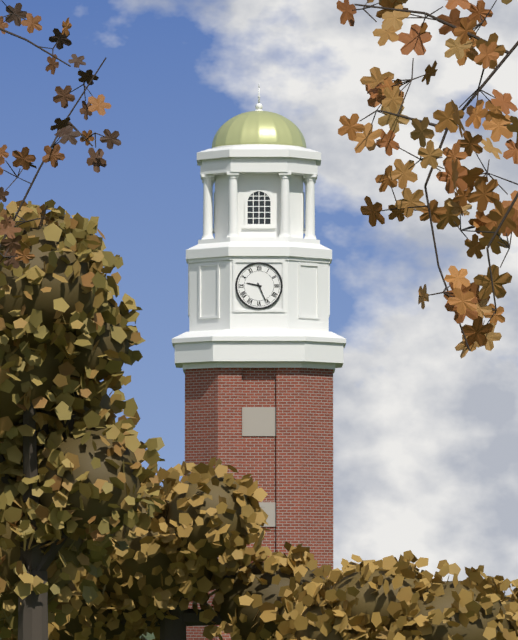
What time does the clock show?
9:26
